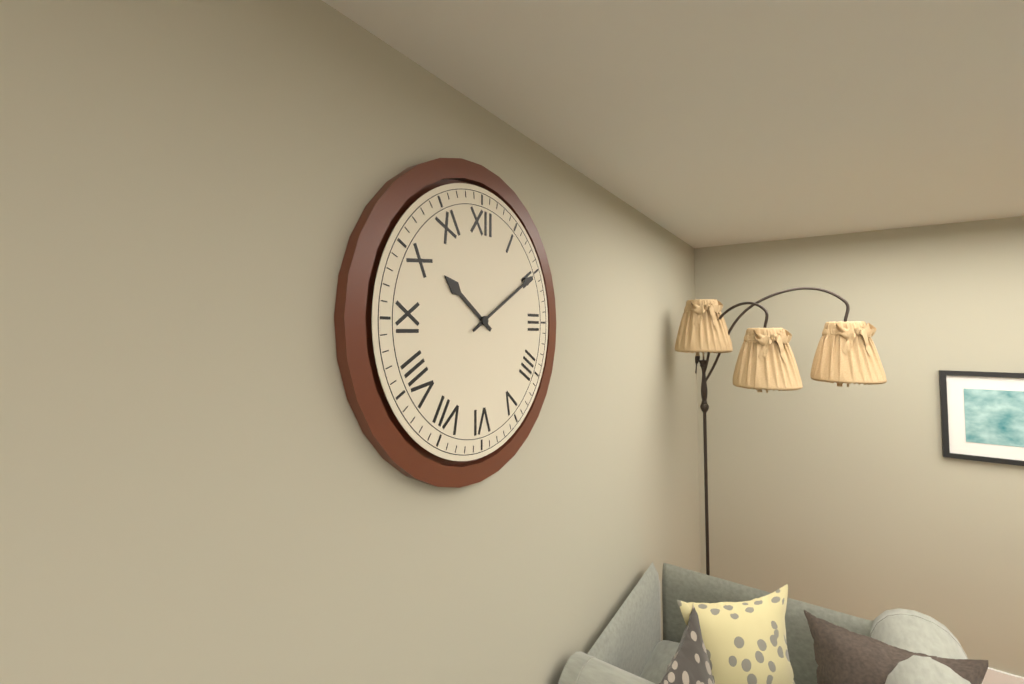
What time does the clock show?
10:10
